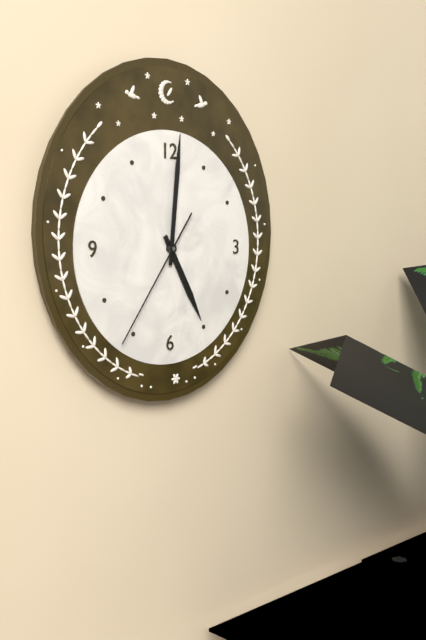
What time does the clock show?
5:01:36
